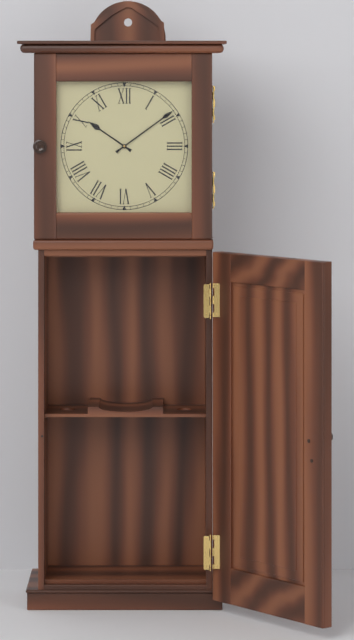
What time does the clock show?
10:09
